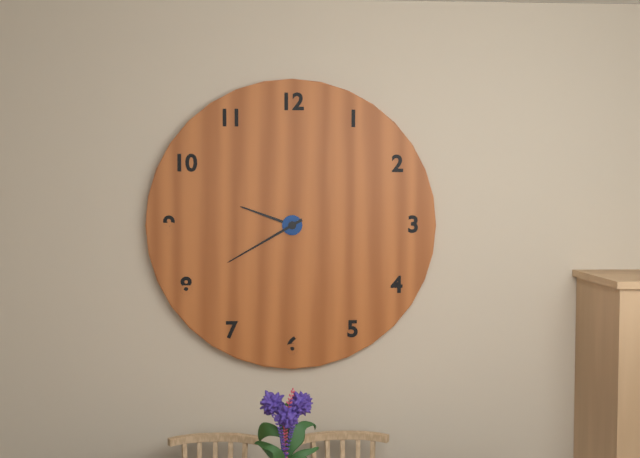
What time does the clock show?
9:40
